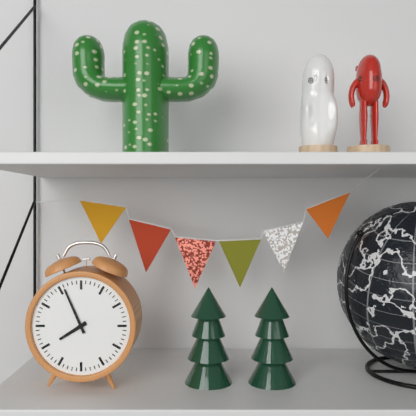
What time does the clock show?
7:56
